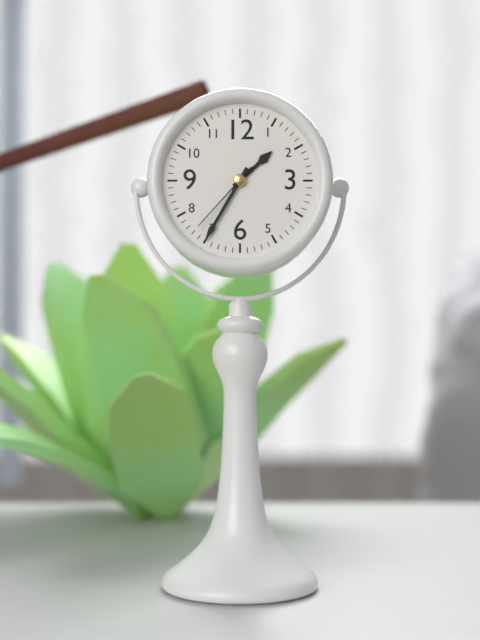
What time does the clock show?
1:35:37
